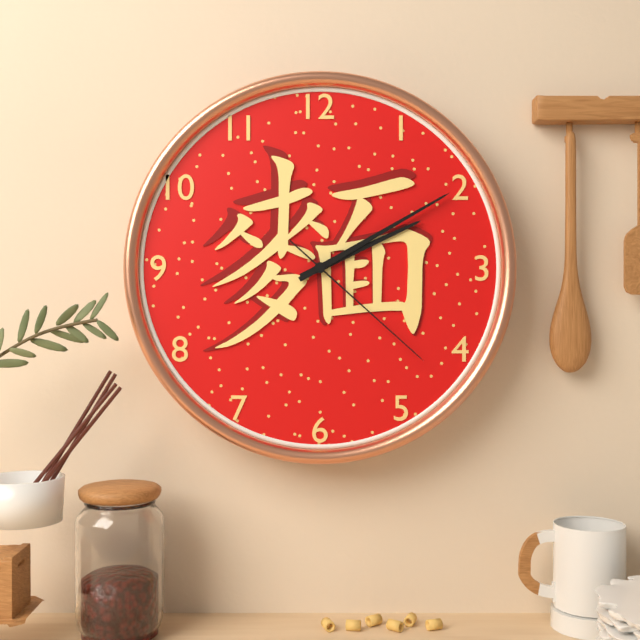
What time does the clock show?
2:10:22
